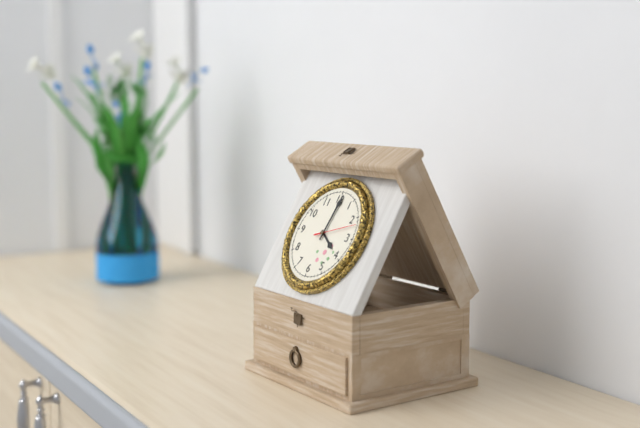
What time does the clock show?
4:01
